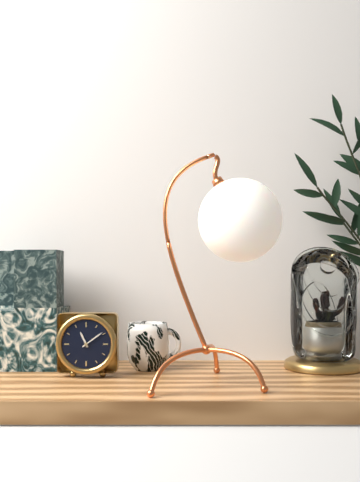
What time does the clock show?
11:09
